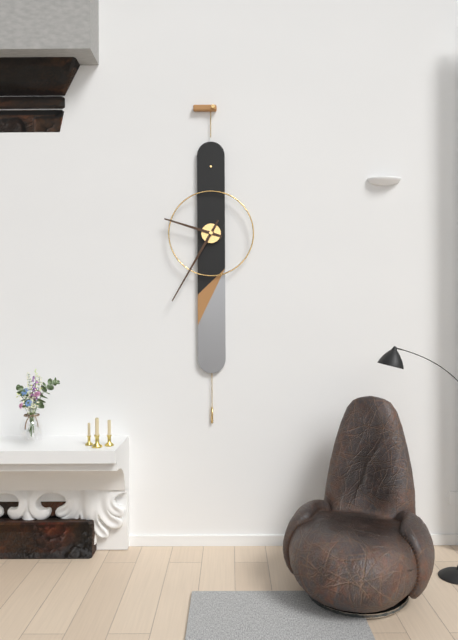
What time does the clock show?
9:35
